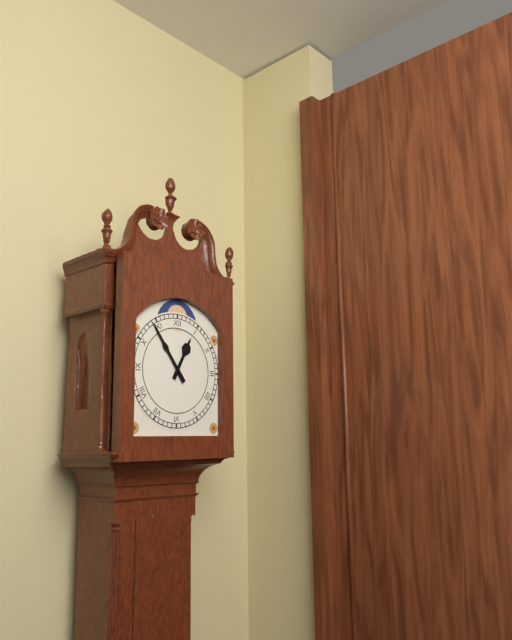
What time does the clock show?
12:54
